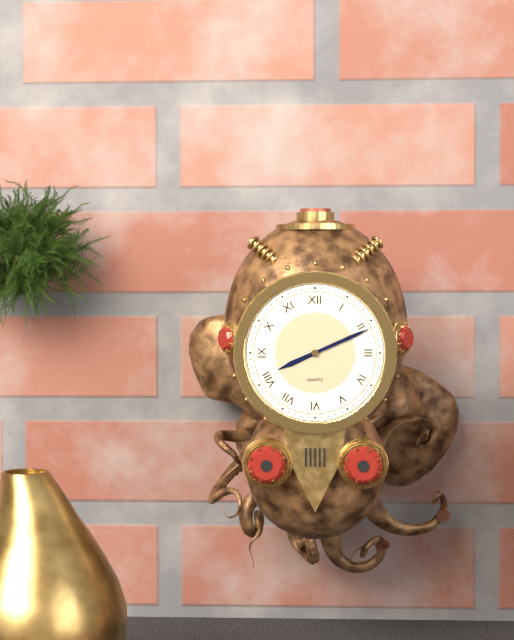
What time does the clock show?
8:11
